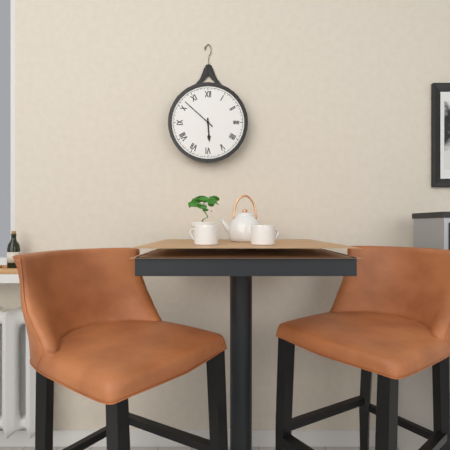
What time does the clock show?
5:52
